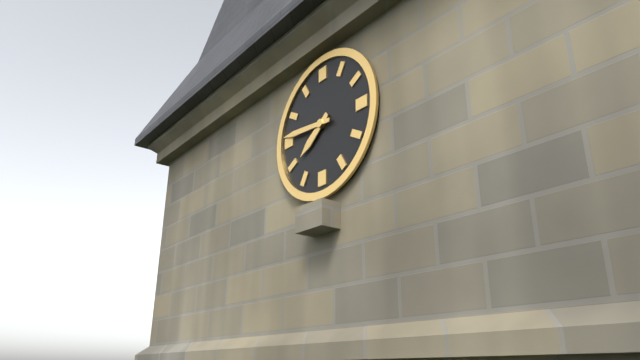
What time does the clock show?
7:46
